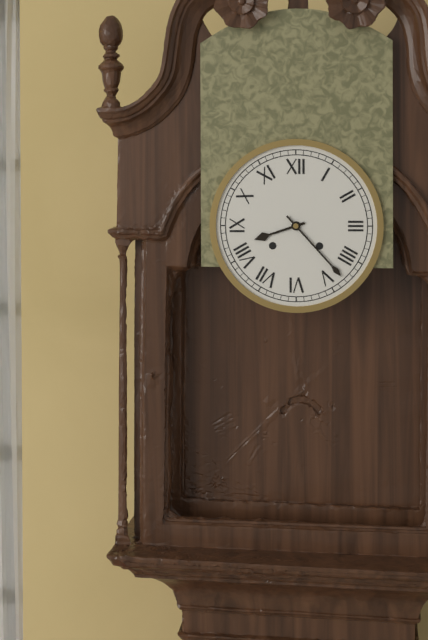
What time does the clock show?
8:23
